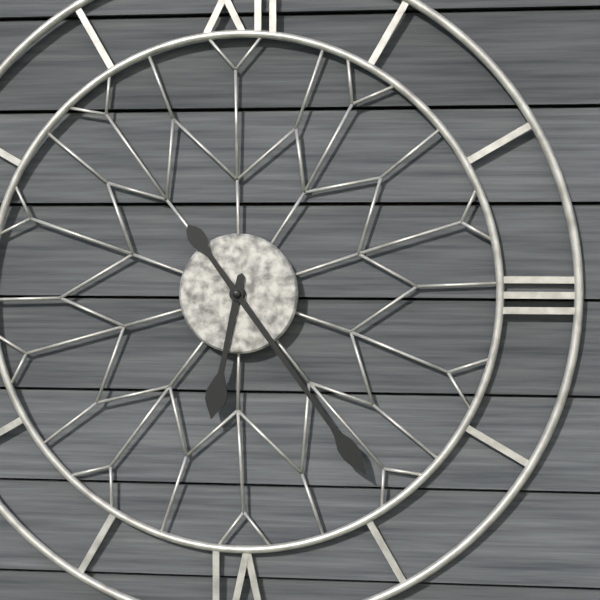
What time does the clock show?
6:24
